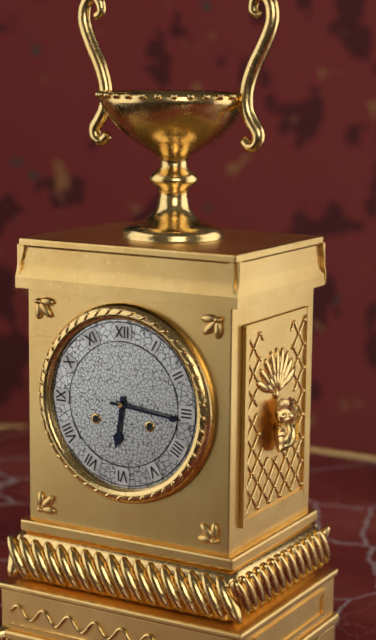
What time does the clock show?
6:16
